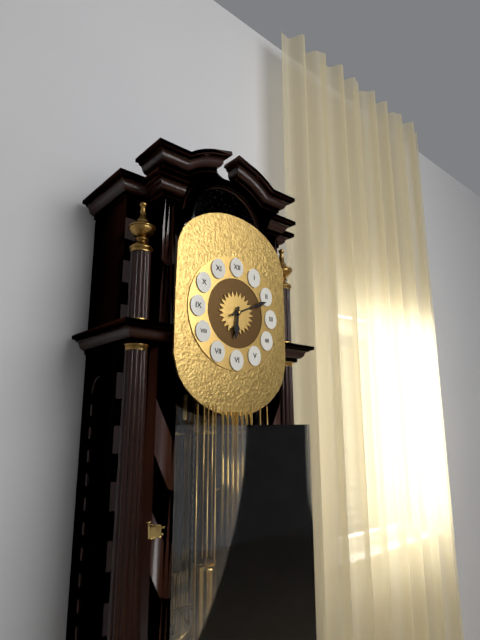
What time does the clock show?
6:11
